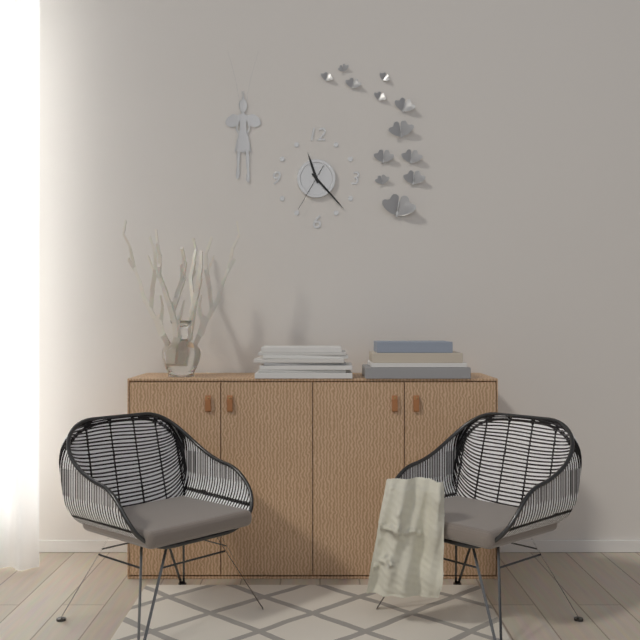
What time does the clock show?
11:23
